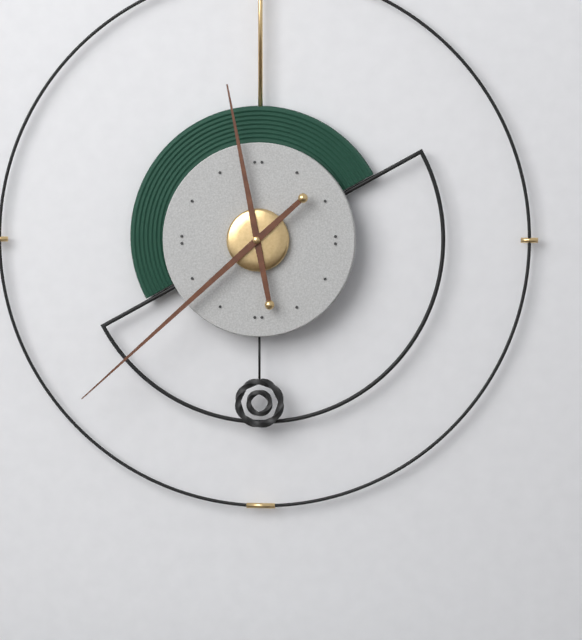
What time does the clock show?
11:38
